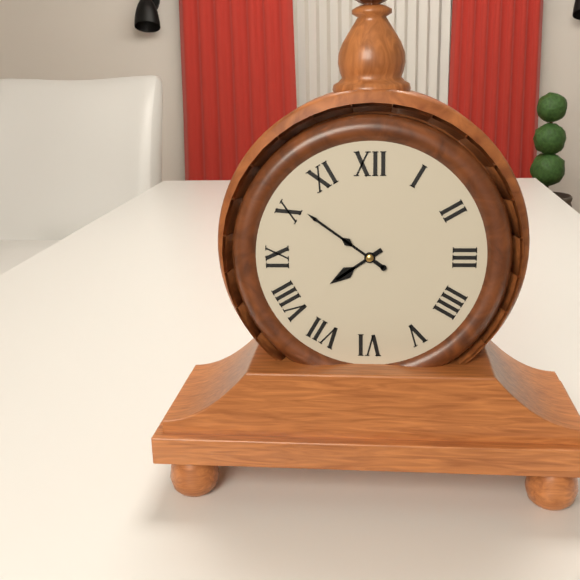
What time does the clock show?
7:51
